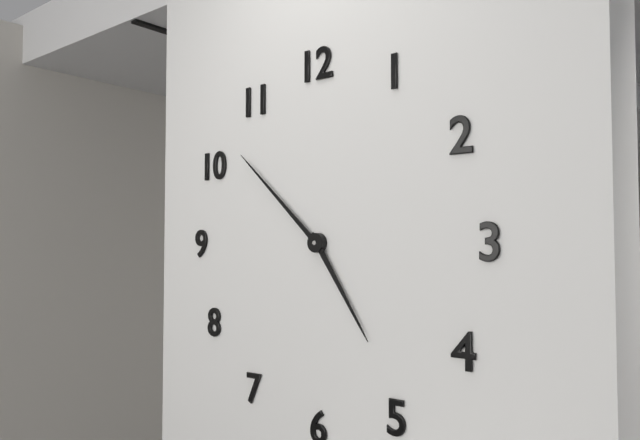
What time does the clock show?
4:52
